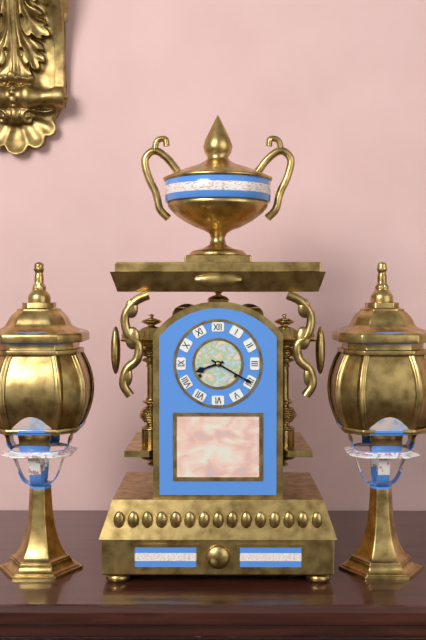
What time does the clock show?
8:20
